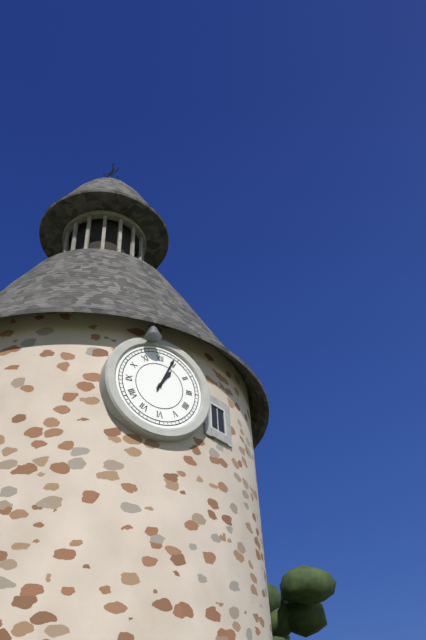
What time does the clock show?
1:04
